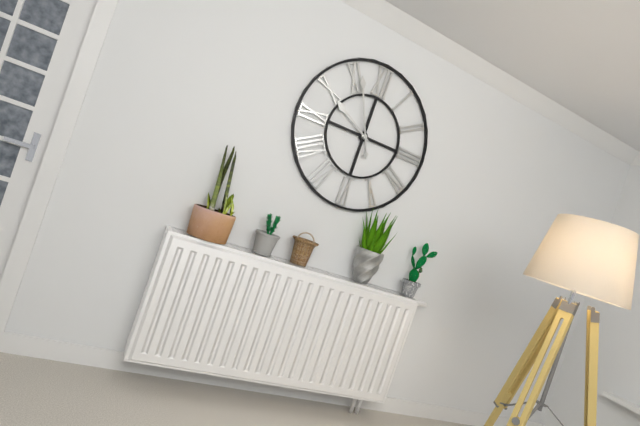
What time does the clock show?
9:56
